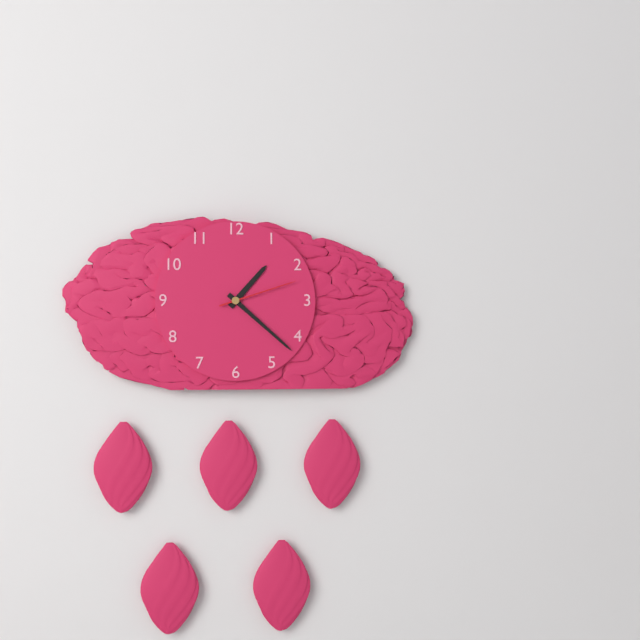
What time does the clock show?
1:22:12
